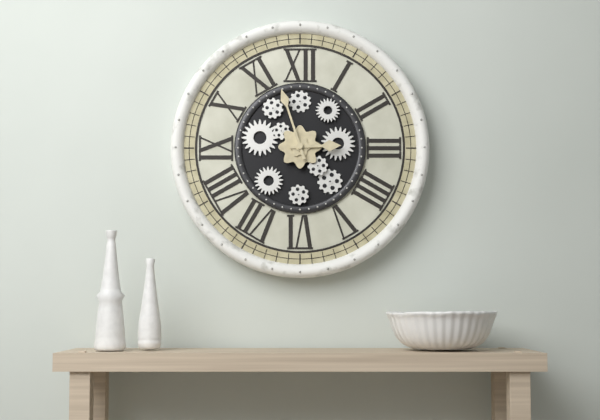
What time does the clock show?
2:57
